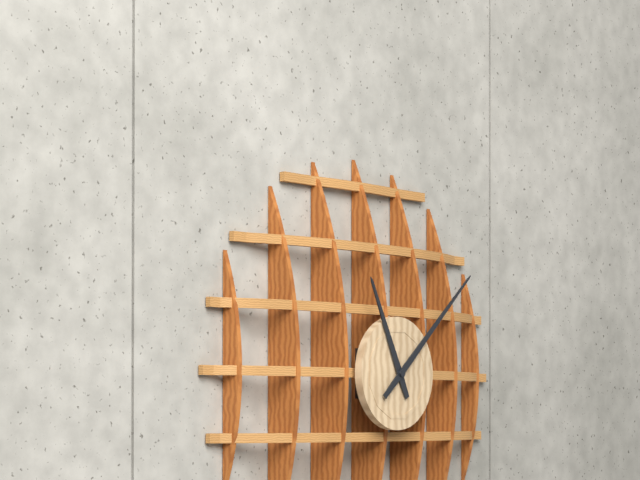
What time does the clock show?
11:08
